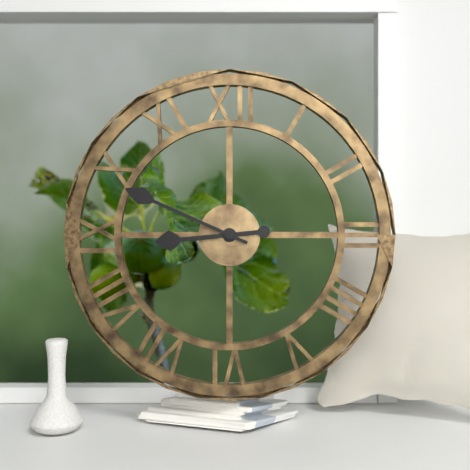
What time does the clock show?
8:49
